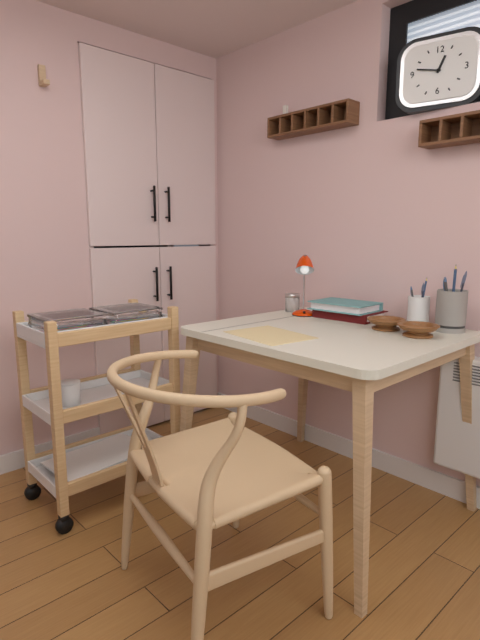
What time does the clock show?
12:47
